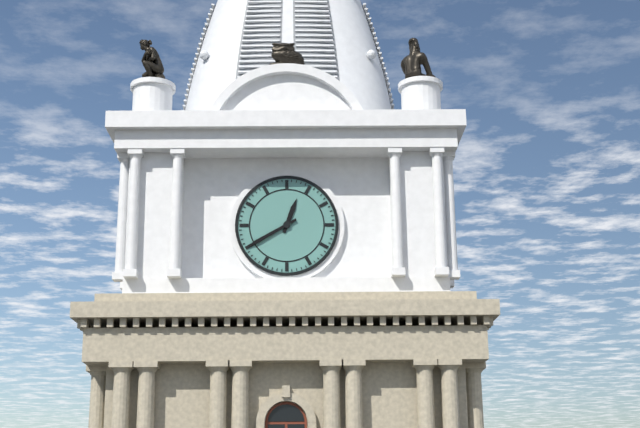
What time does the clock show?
12:40
